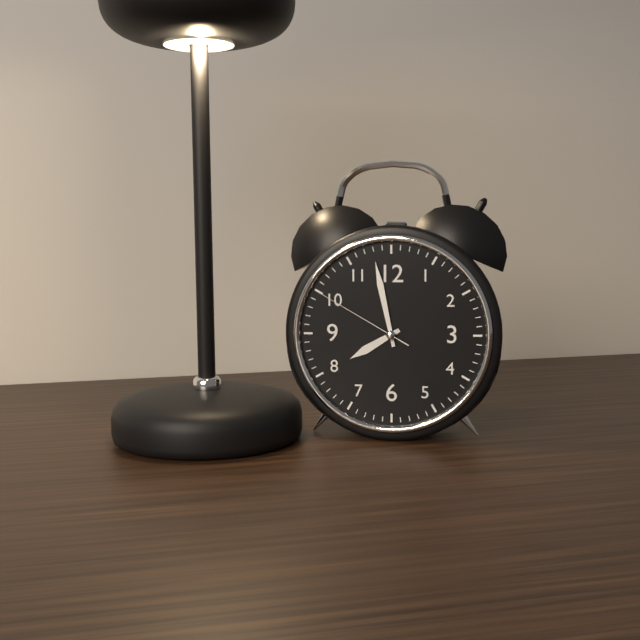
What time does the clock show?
7:58:50
